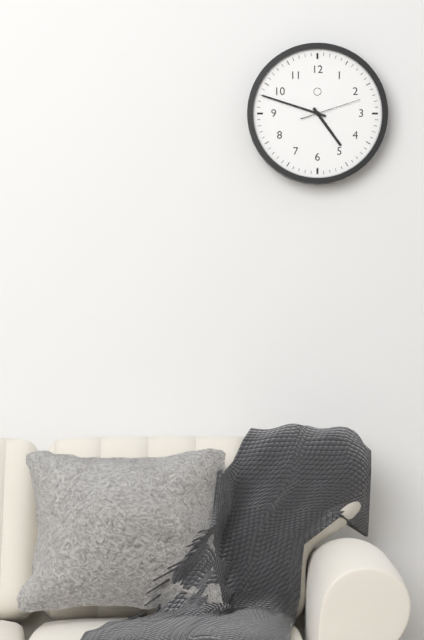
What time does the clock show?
4:48:12
